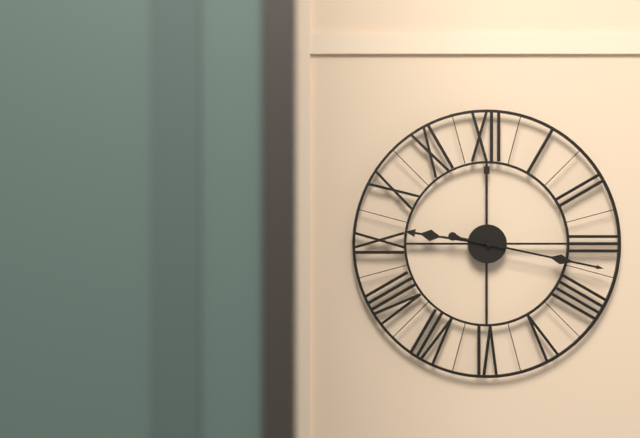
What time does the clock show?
9:17
